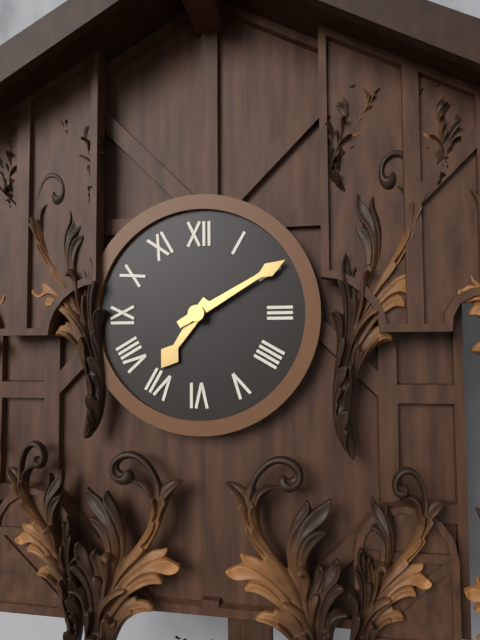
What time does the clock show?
7:10
